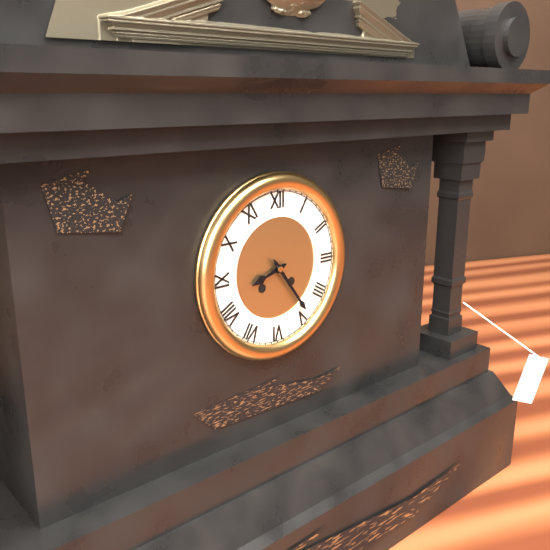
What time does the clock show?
8:24
